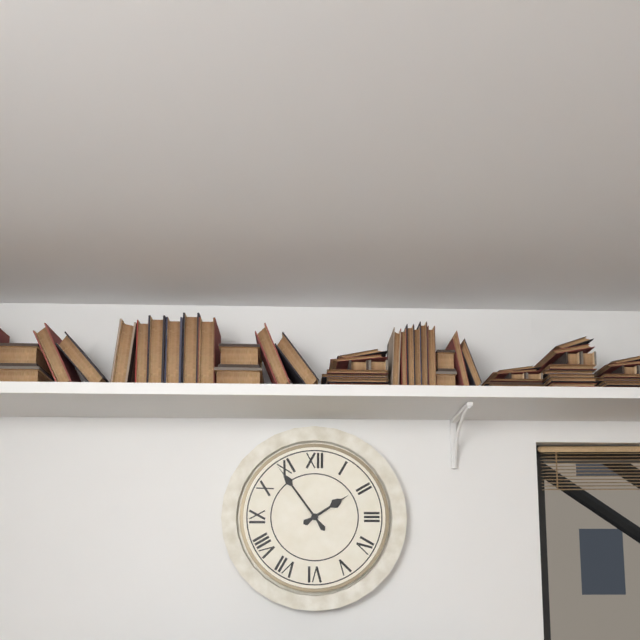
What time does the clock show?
1:54
